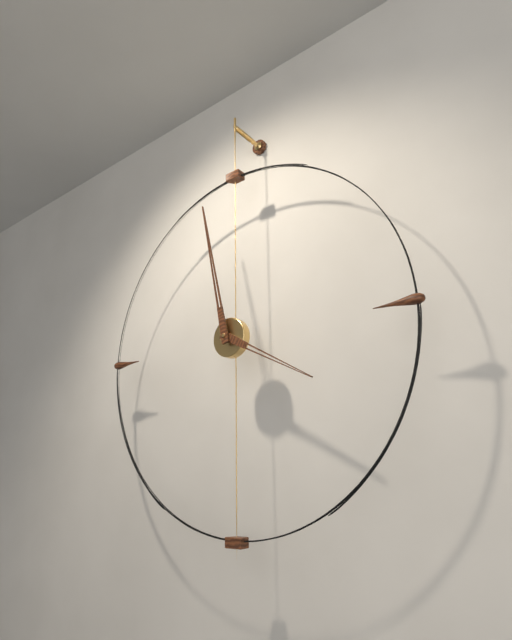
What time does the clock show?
3:58
